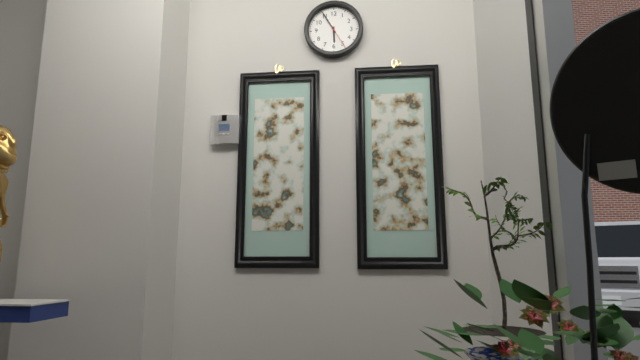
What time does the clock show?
5:55
